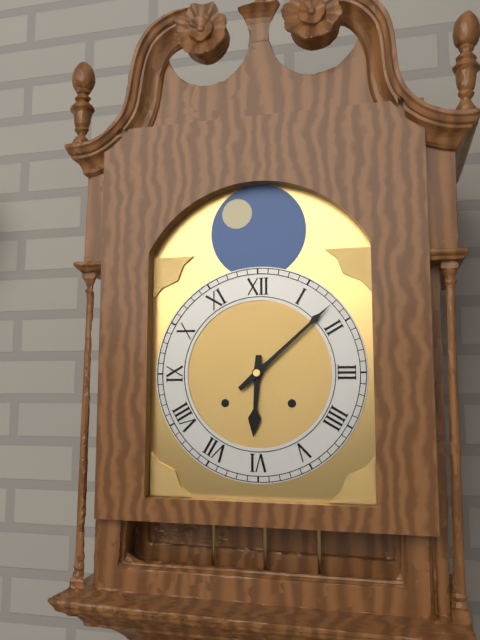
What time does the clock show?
6:08
